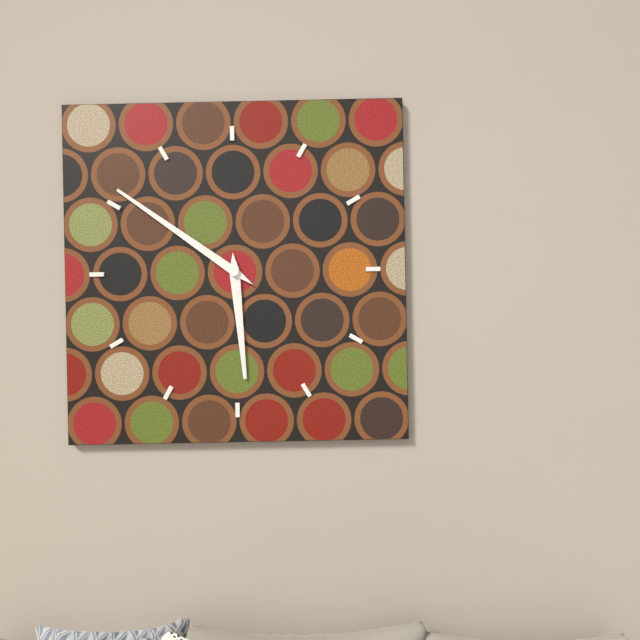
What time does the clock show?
5:51
